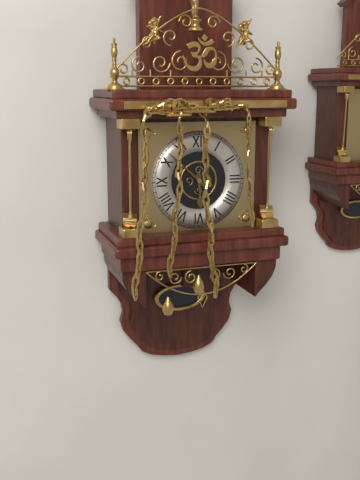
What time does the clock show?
5:52
